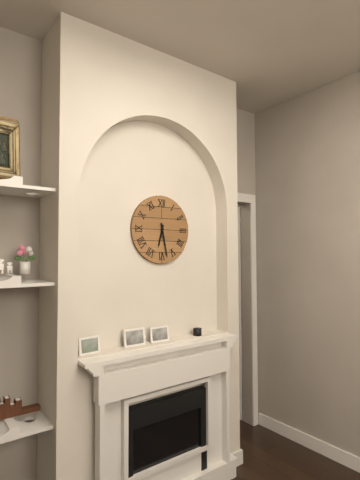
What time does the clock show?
6:28
